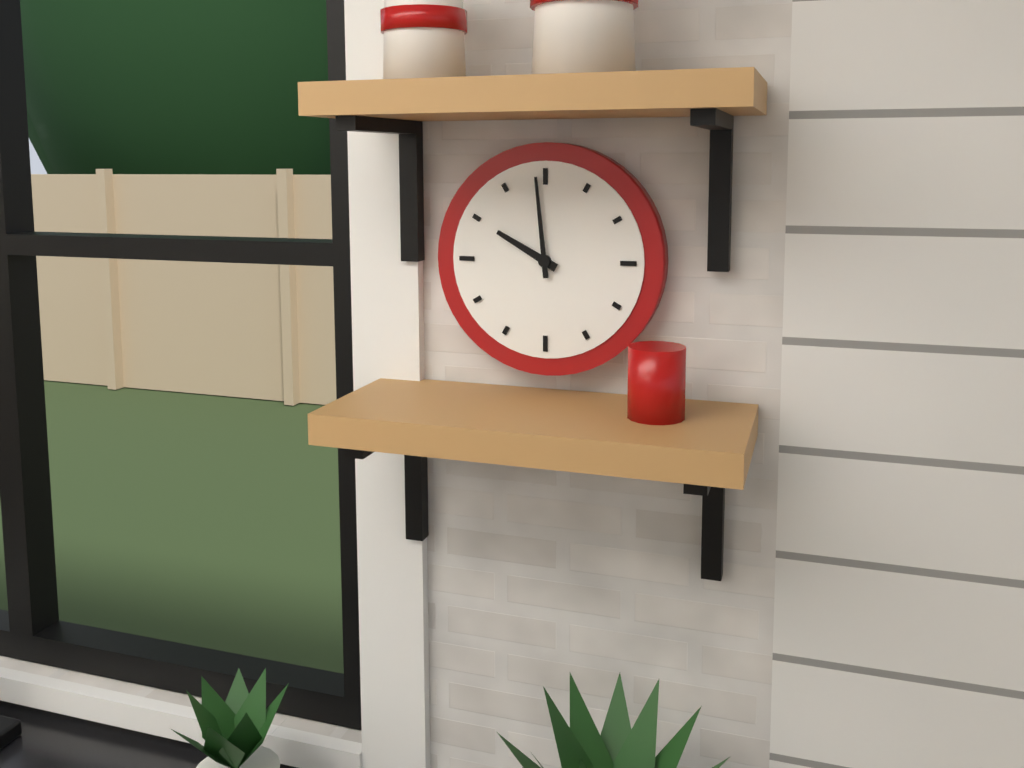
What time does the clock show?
9:59
